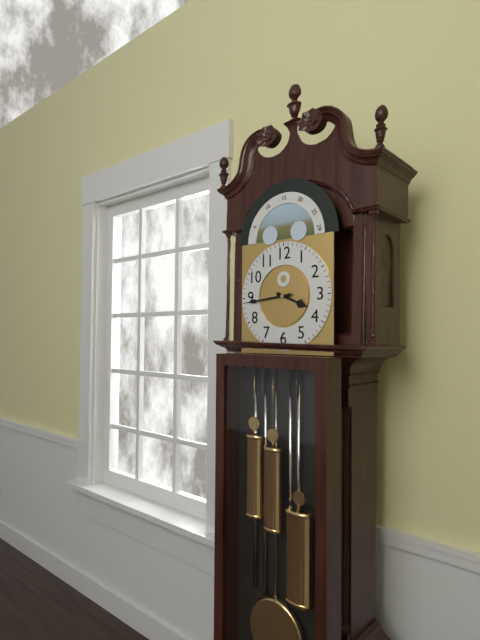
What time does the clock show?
3:44
